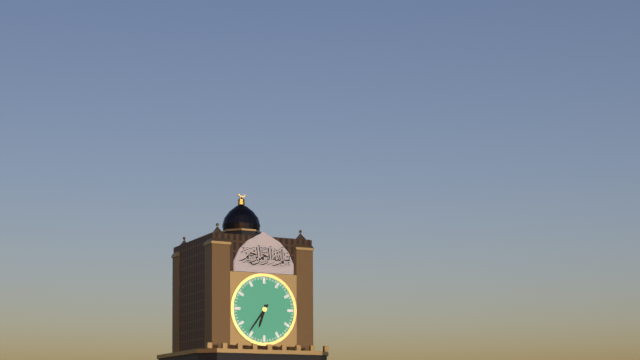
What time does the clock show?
6:36
